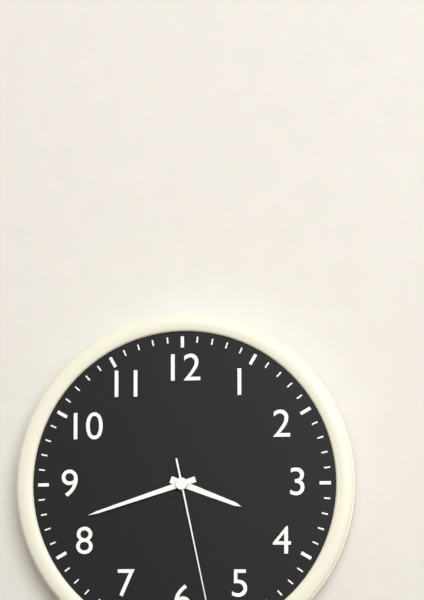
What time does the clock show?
3:42
